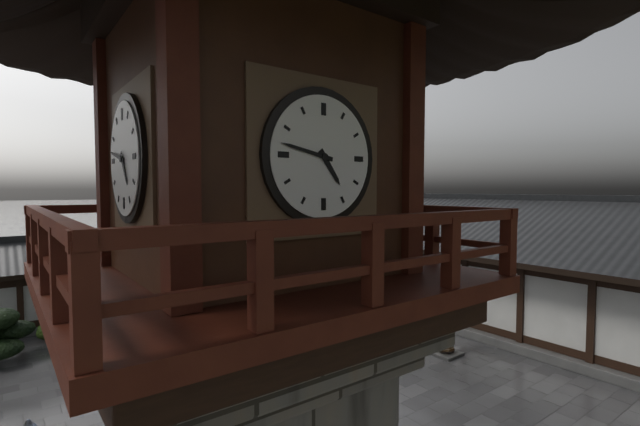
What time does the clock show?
4:47
